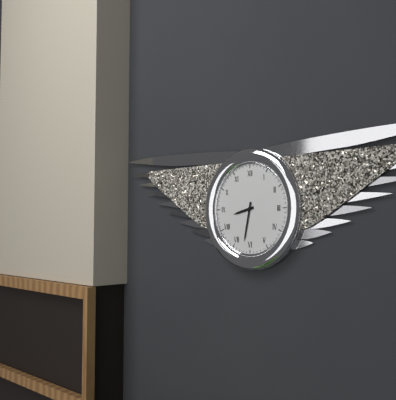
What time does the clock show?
8:32
